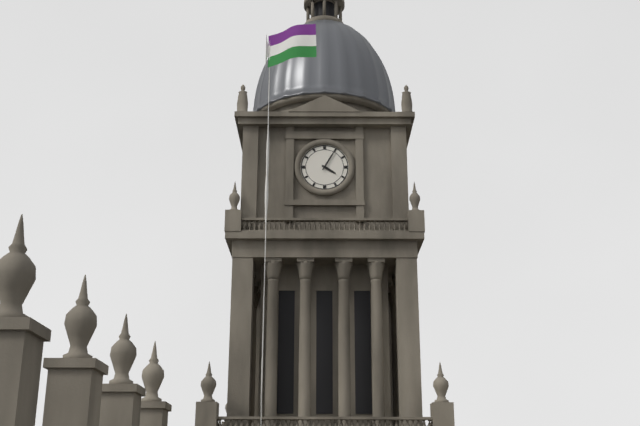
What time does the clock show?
4:05
